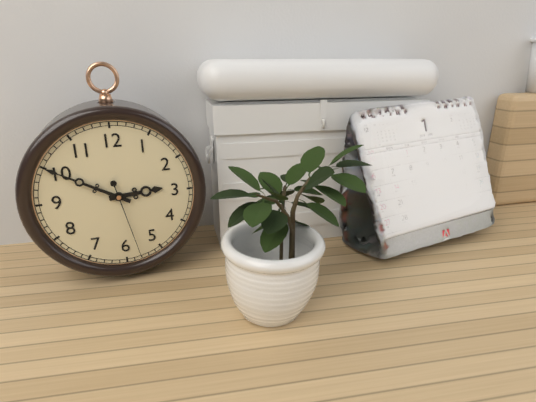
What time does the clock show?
2:50:28
